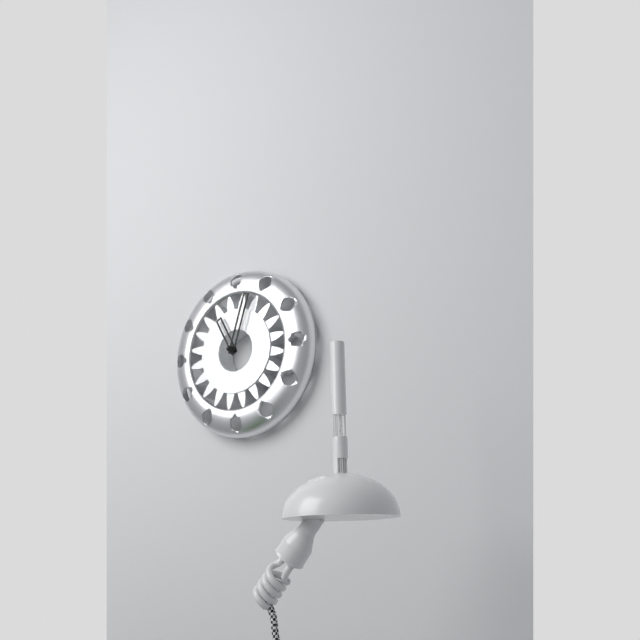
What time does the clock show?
11:03
